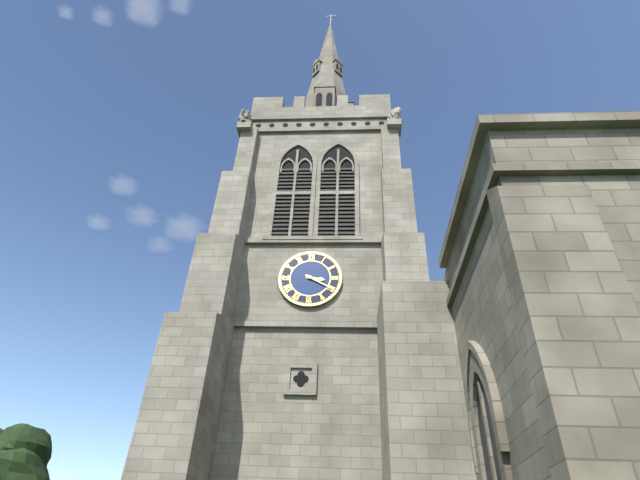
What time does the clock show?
3:20
